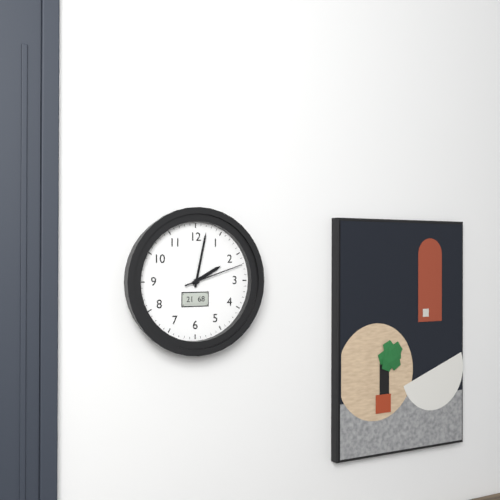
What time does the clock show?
2:02:12
